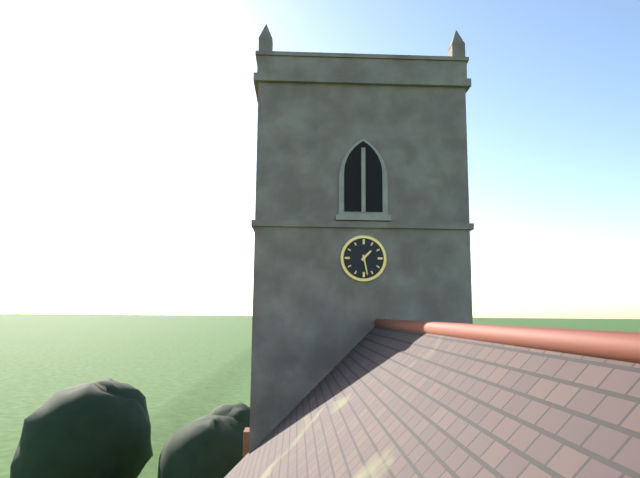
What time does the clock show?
1:28
